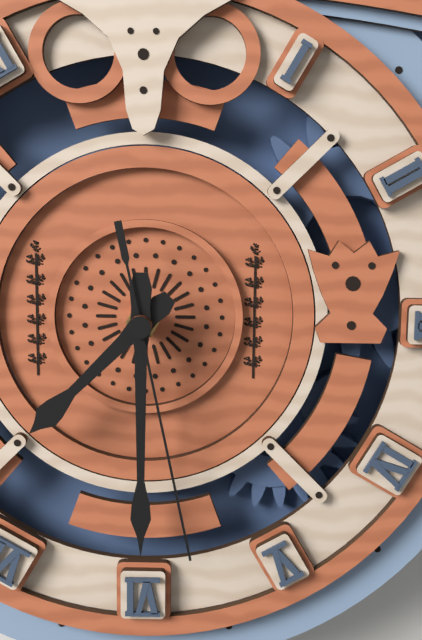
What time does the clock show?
7:30:28
